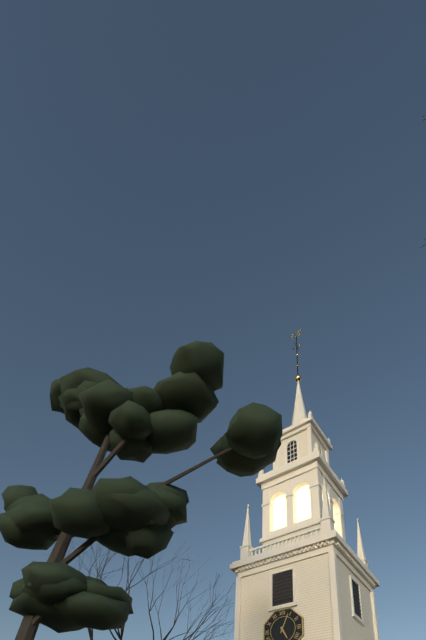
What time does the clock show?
5:04
